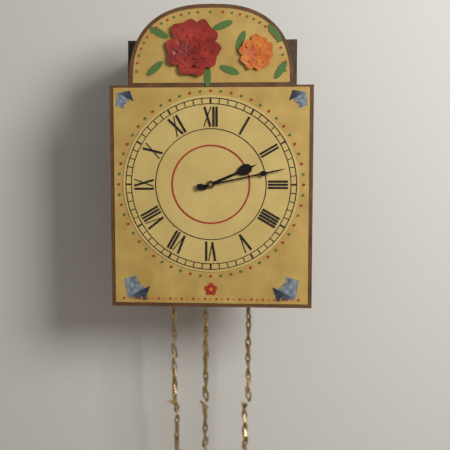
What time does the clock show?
2:13
